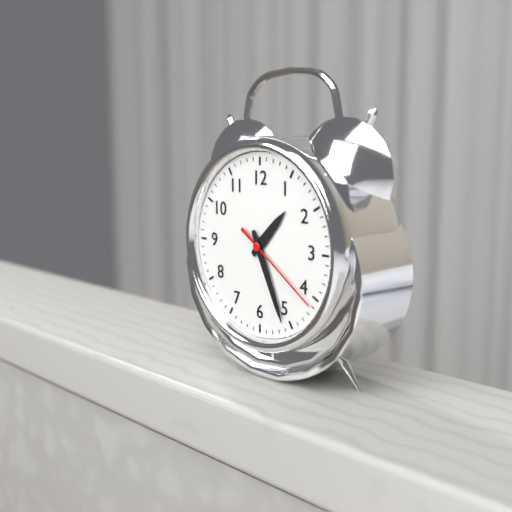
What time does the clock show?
1:26:21
